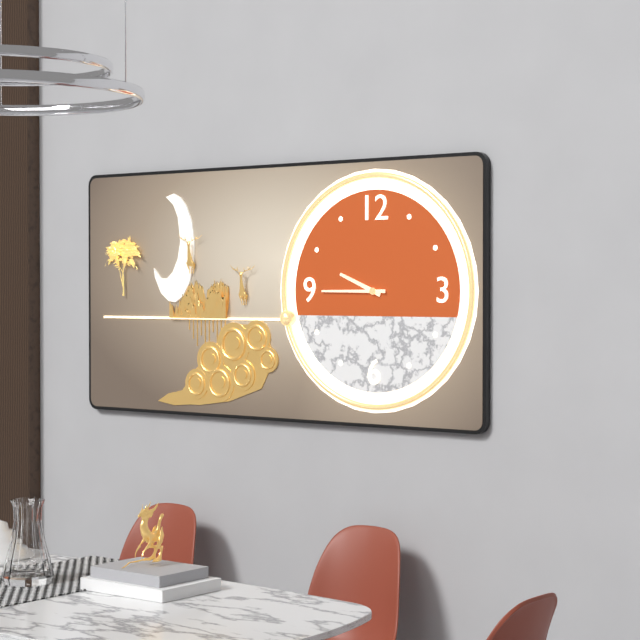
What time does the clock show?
9:45
